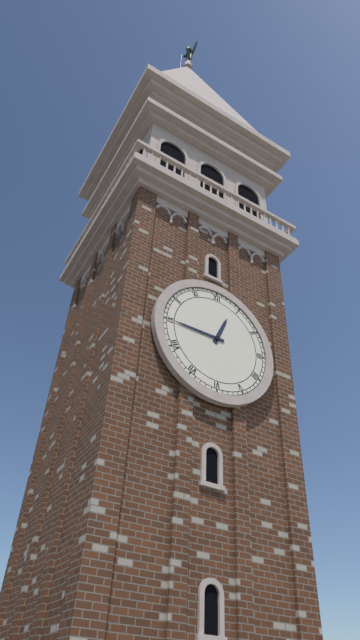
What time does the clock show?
12:45
